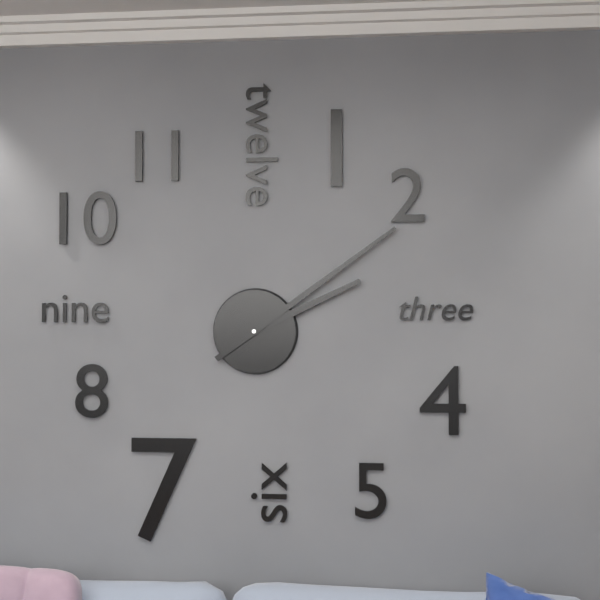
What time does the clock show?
2:09
